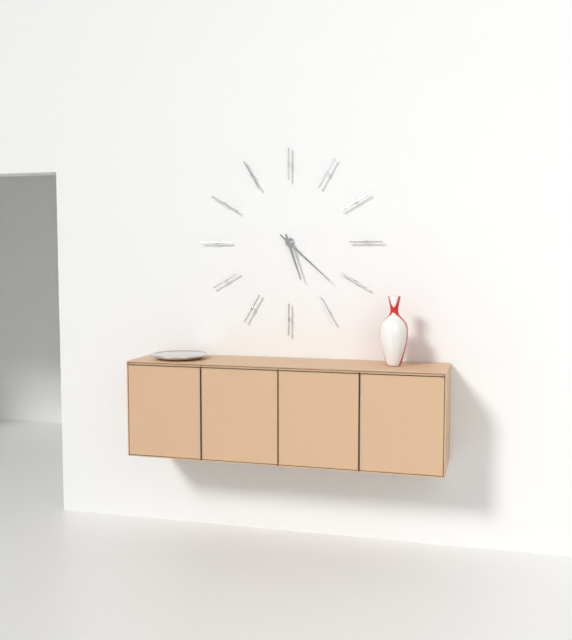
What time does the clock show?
5:22
